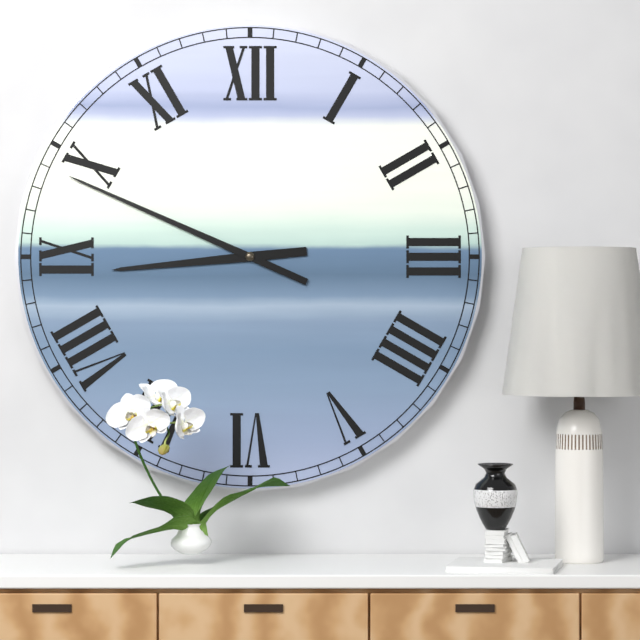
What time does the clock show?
8:49
